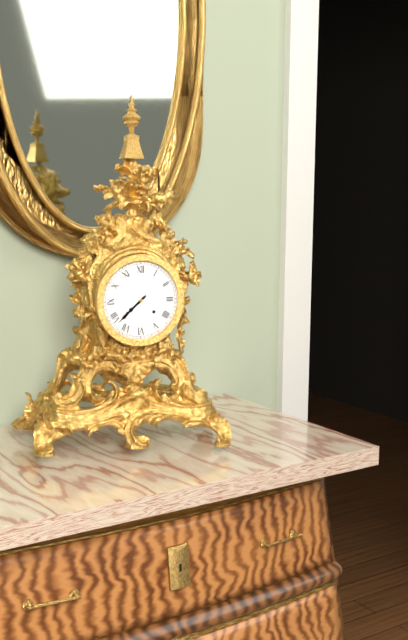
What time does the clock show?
7:38
